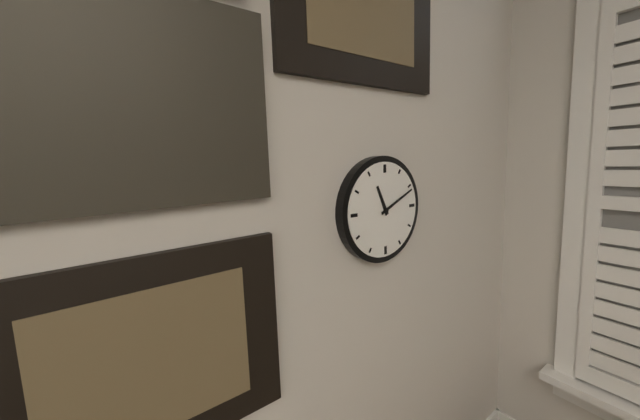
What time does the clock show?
11:11
